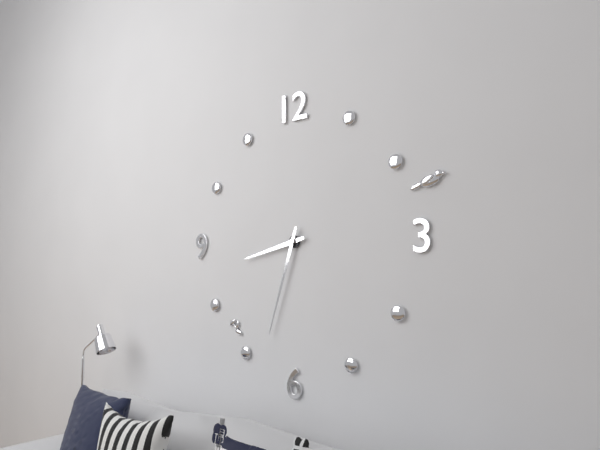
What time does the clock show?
8:33
